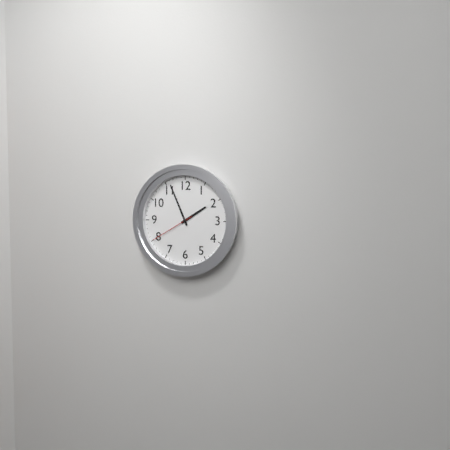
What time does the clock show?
1:56
